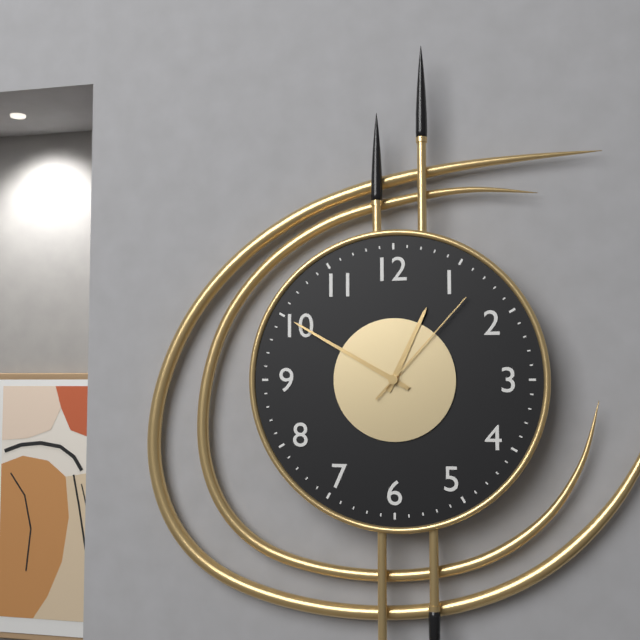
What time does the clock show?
12:50:07
